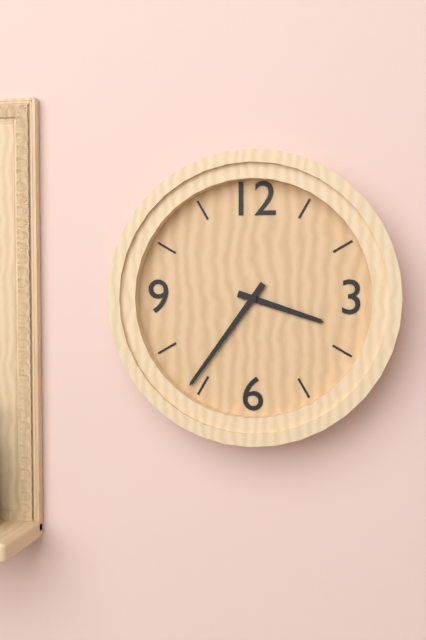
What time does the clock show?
3:36
